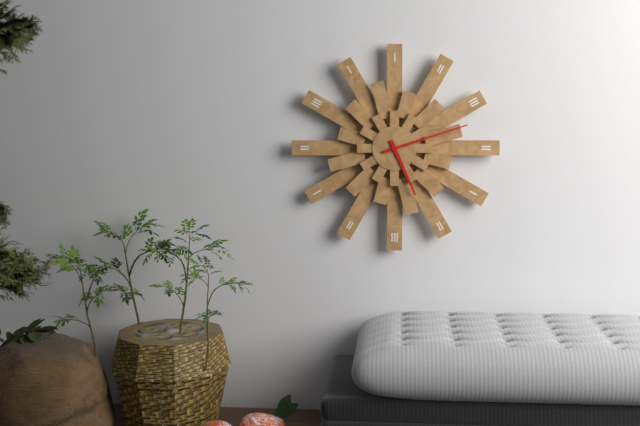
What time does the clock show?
5:12
